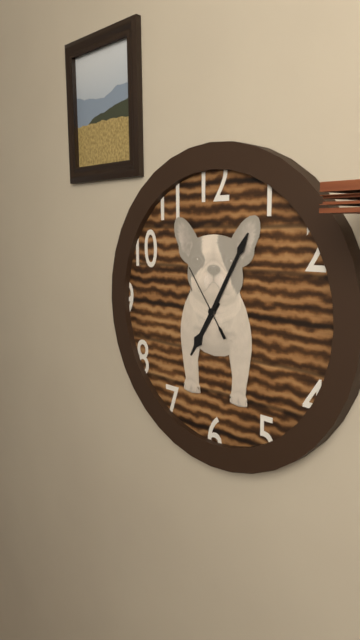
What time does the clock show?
7:05:54
